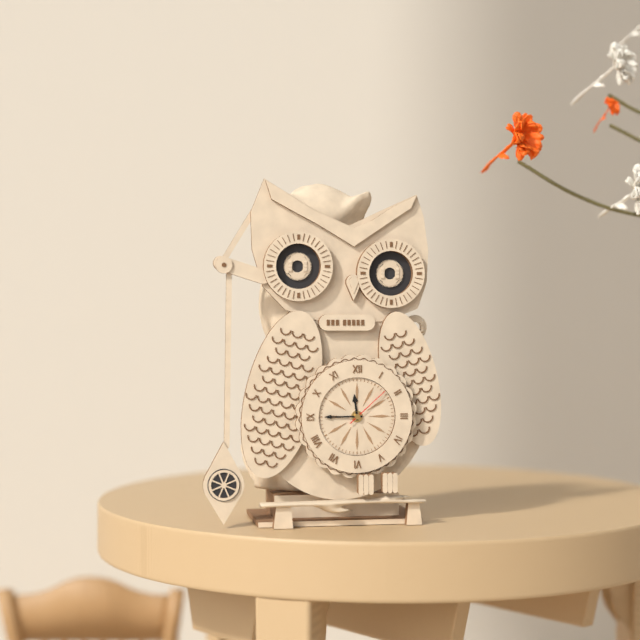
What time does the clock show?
11:45
